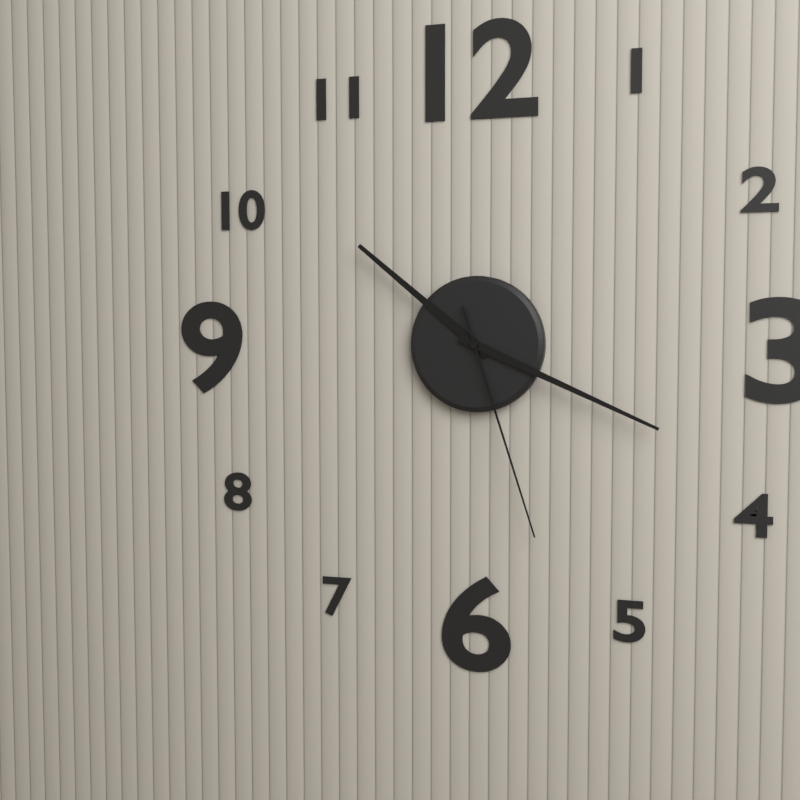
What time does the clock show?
10:19:27
